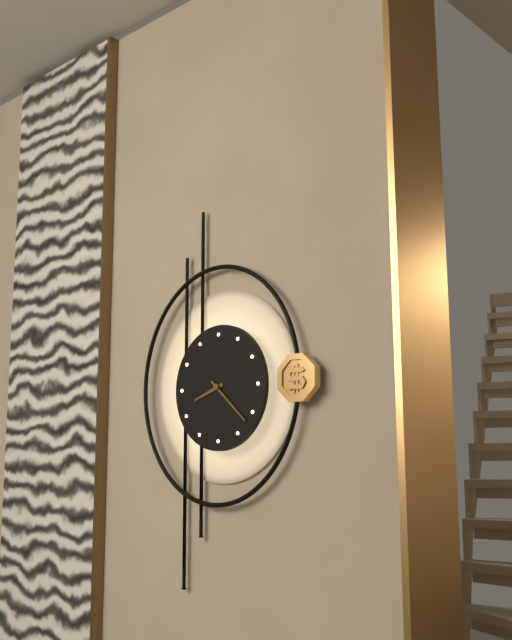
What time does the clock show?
8:22
